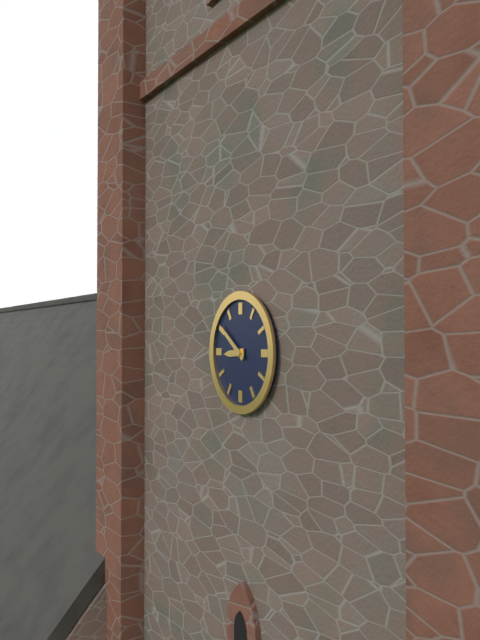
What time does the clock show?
8:51
